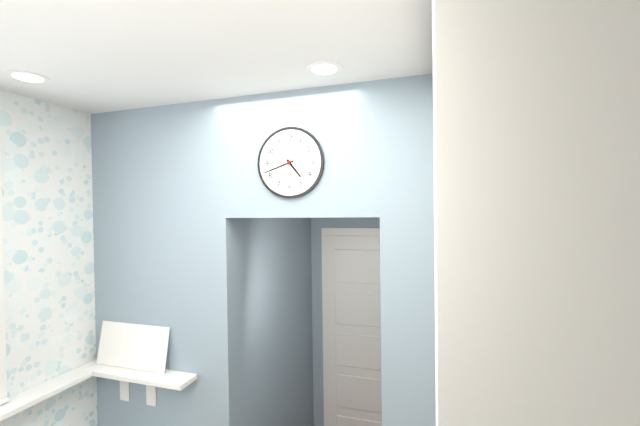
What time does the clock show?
4:42
